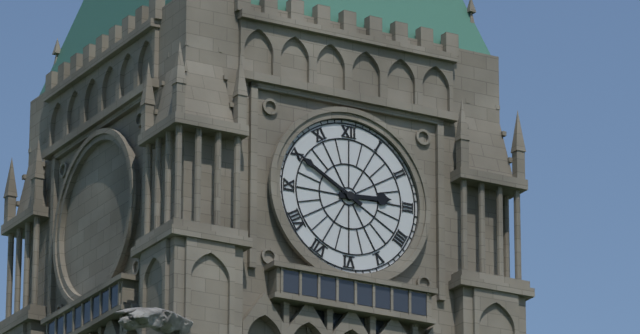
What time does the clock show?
2:50
